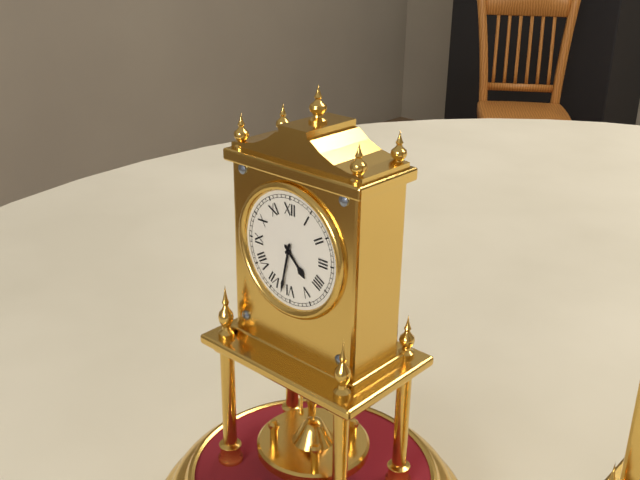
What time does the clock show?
4:32
